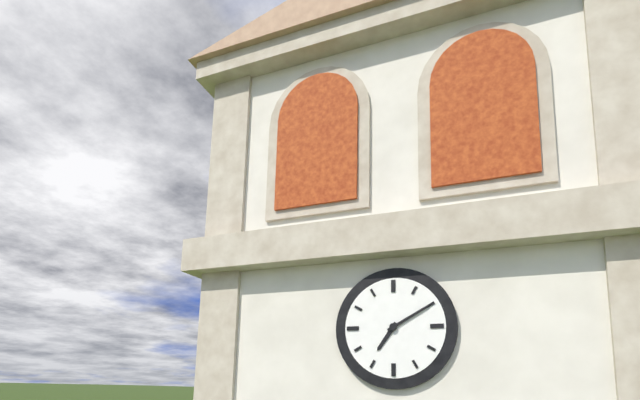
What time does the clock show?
7:10
